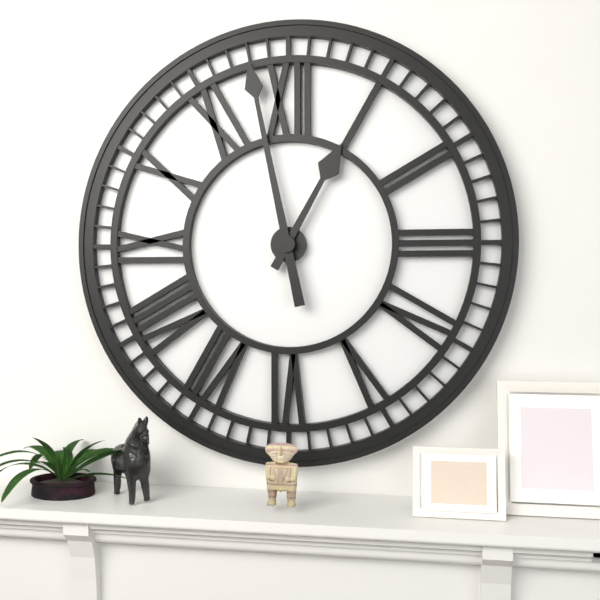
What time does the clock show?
12:58
